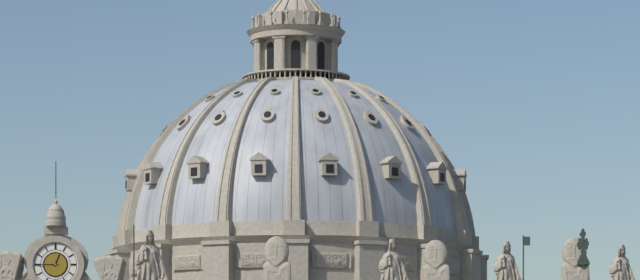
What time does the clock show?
12:45
